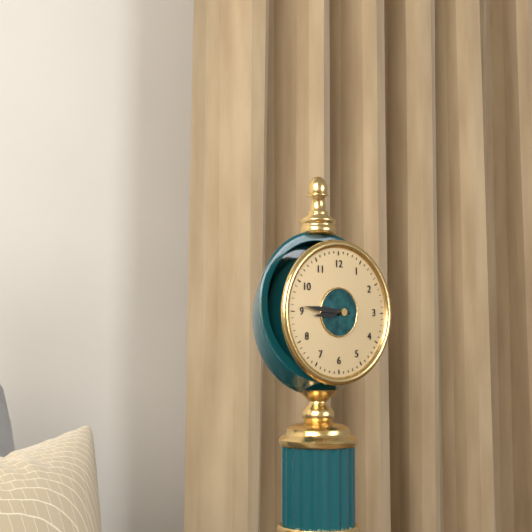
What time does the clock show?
8:46
